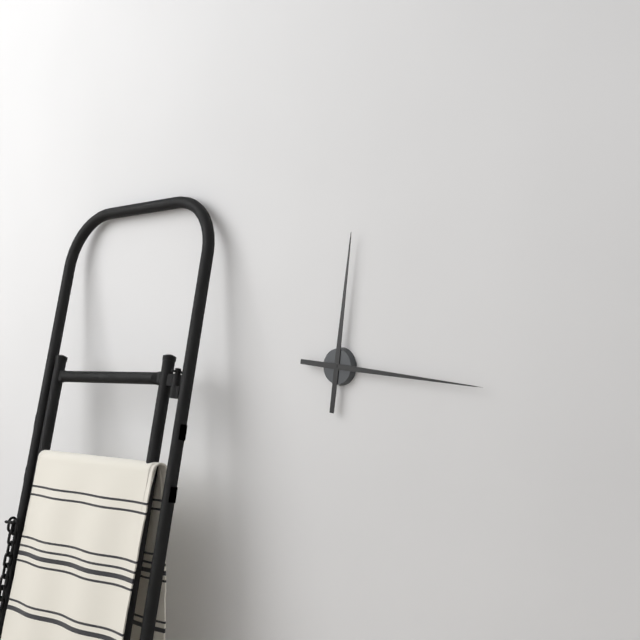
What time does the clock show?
12:16
